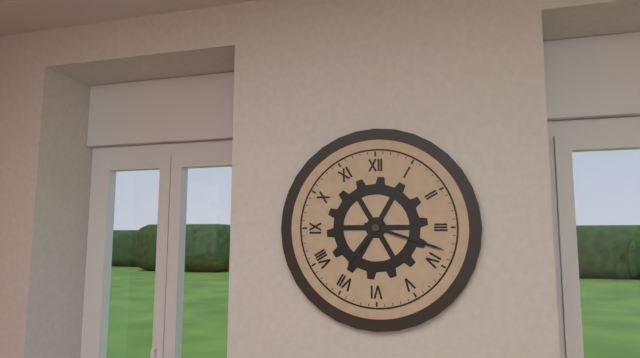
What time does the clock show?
7:18
